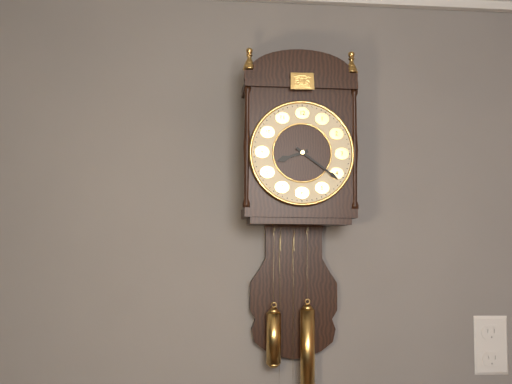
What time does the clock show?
8:21
